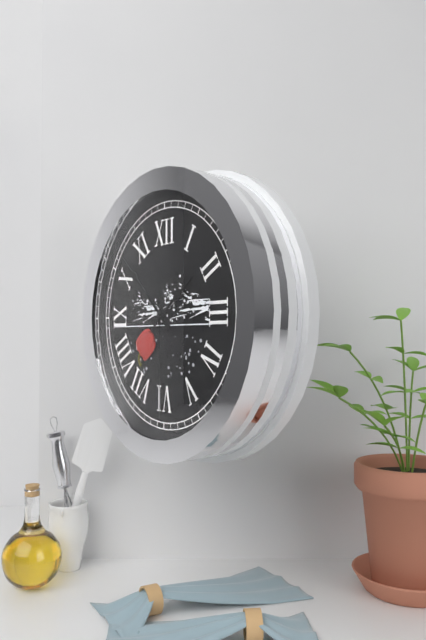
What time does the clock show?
1:52:30
